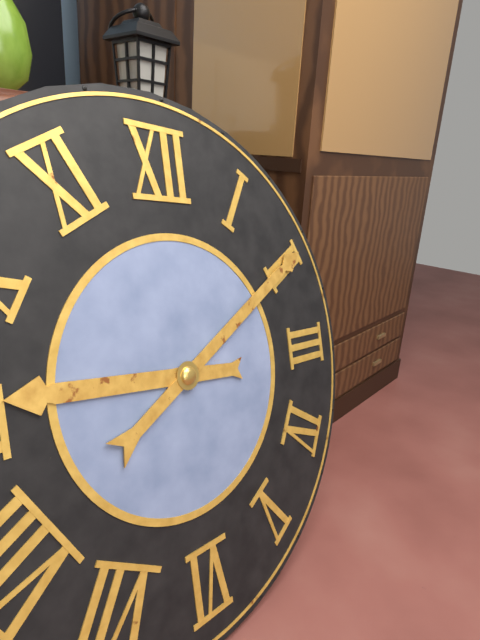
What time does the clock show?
9:10
